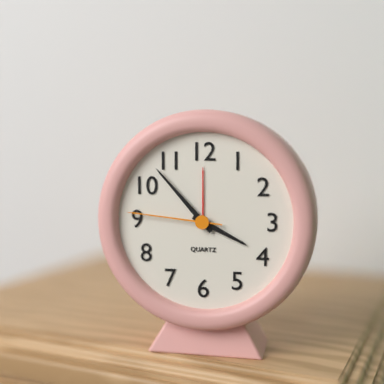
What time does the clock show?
3:53:46
